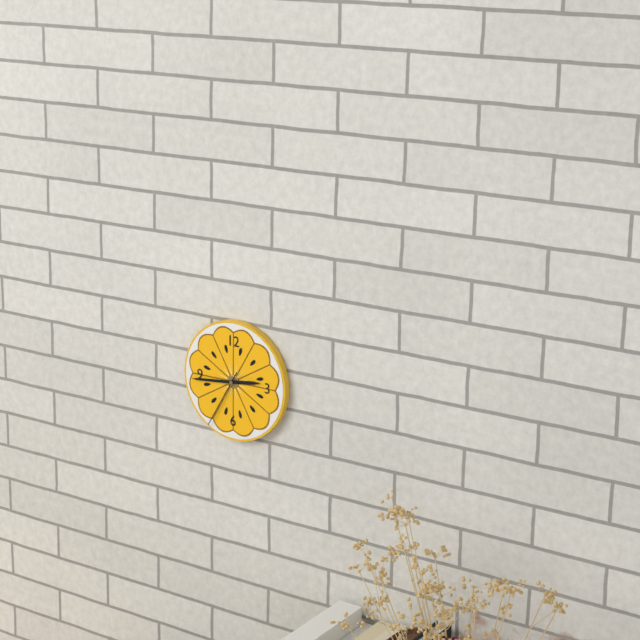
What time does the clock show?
2:44:35
